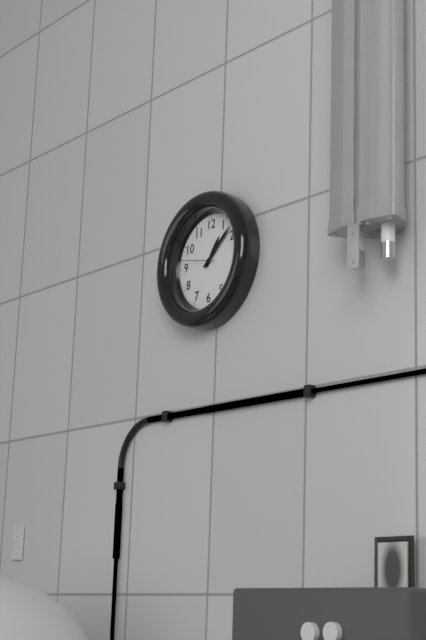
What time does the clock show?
1:08
